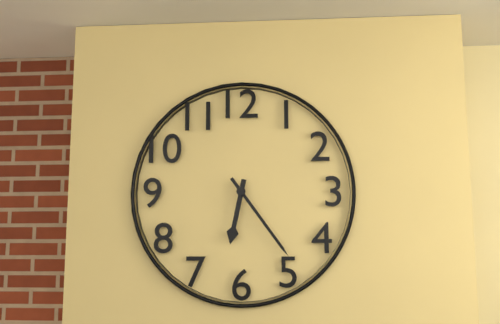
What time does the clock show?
6:24
